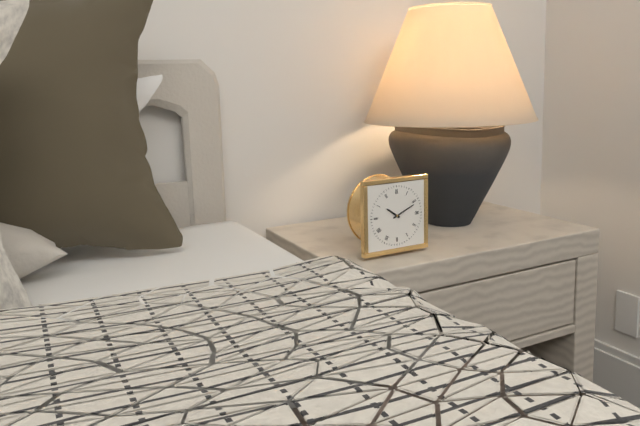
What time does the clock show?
10:11
